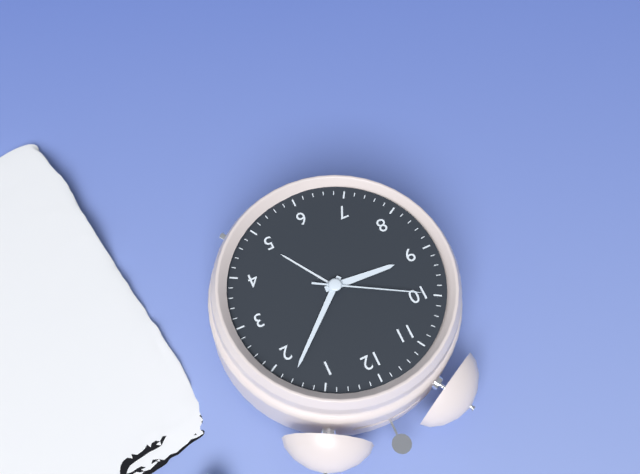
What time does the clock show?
9:08:50
